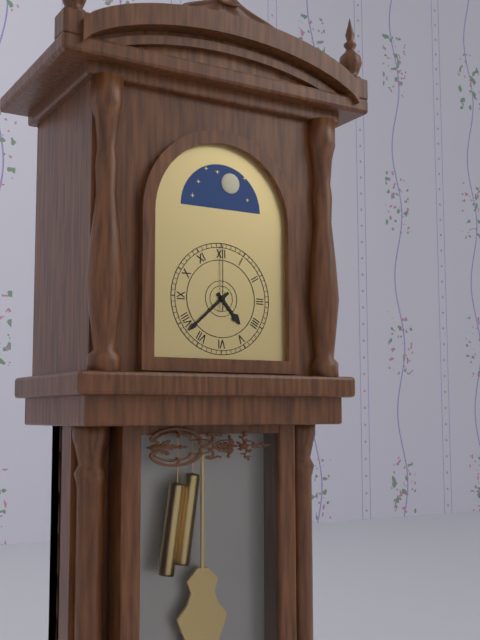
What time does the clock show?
4:38:00
